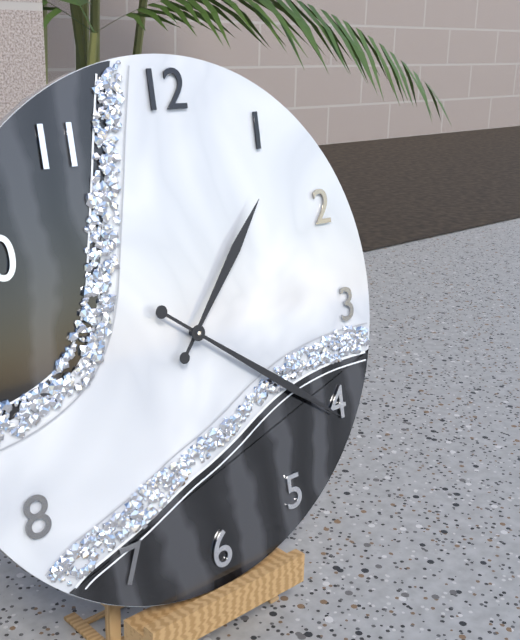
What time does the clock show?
1:21
